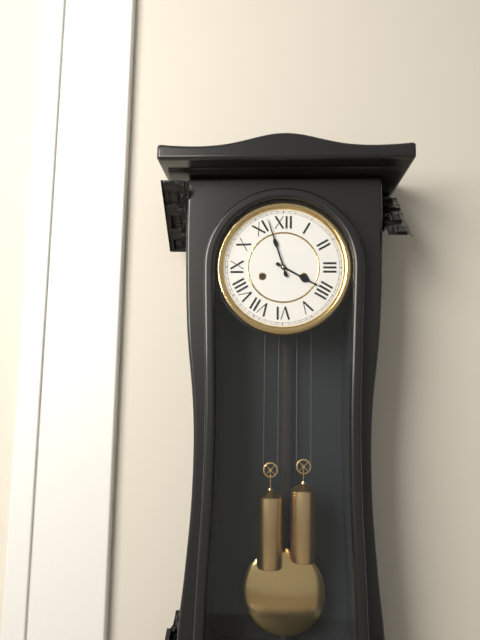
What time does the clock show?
3:57
